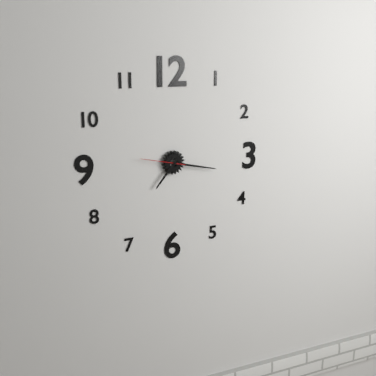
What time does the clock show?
7:17
